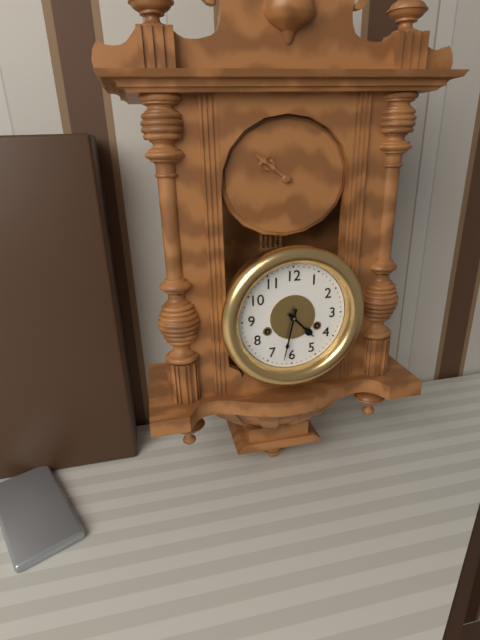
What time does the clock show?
4:32
